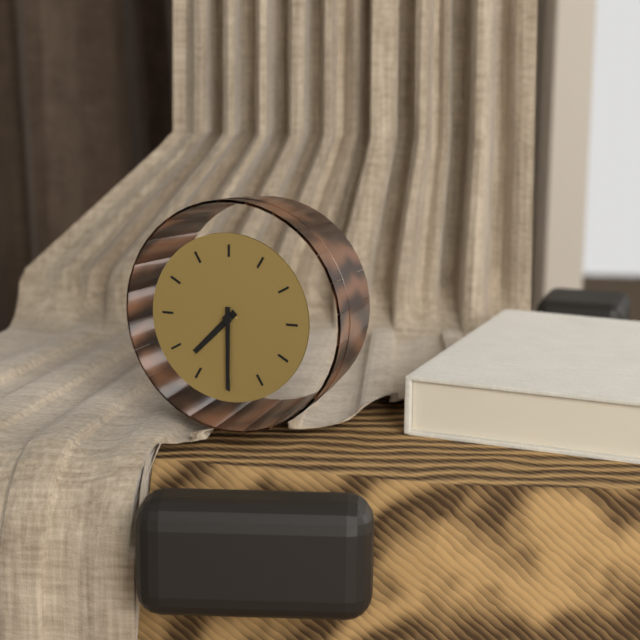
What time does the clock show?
7:30
